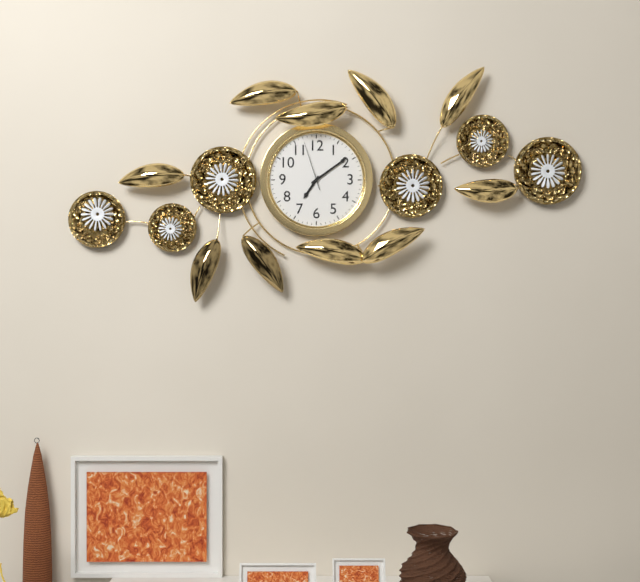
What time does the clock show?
7:09
